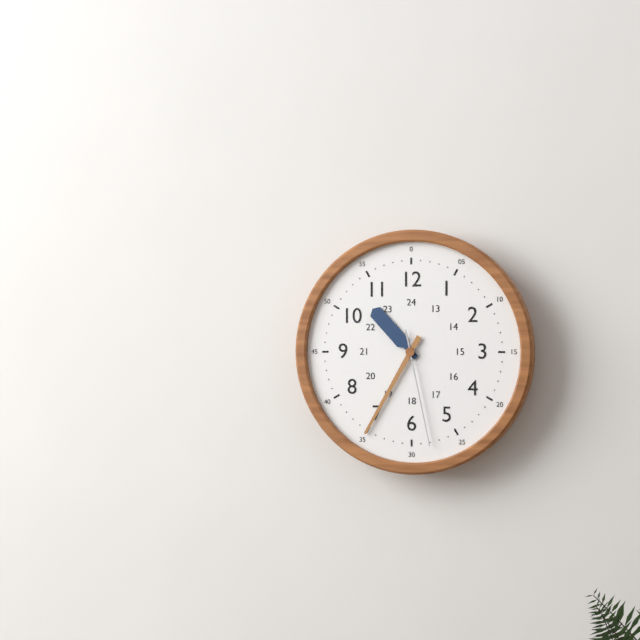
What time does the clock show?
10:35:28
